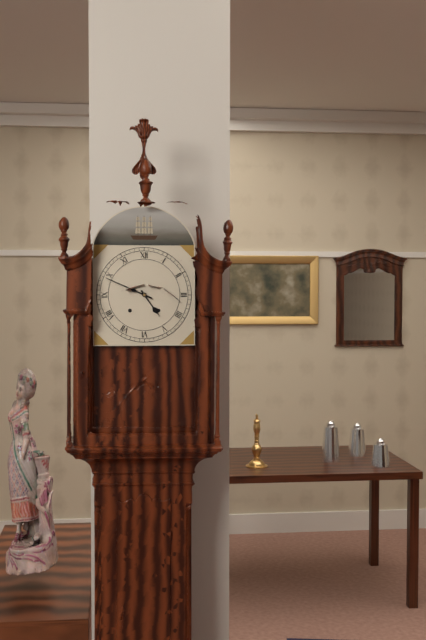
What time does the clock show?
4:49
